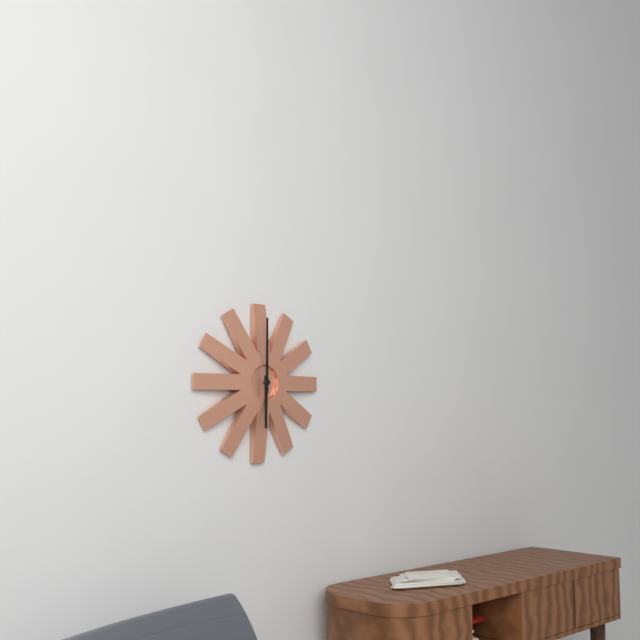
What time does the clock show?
6:00
